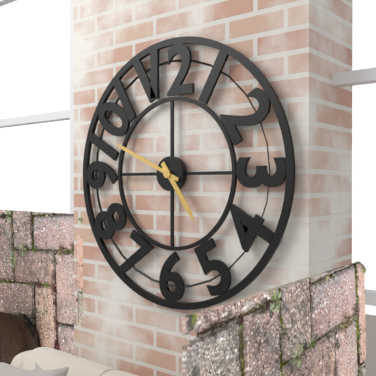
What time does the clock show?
4:49
